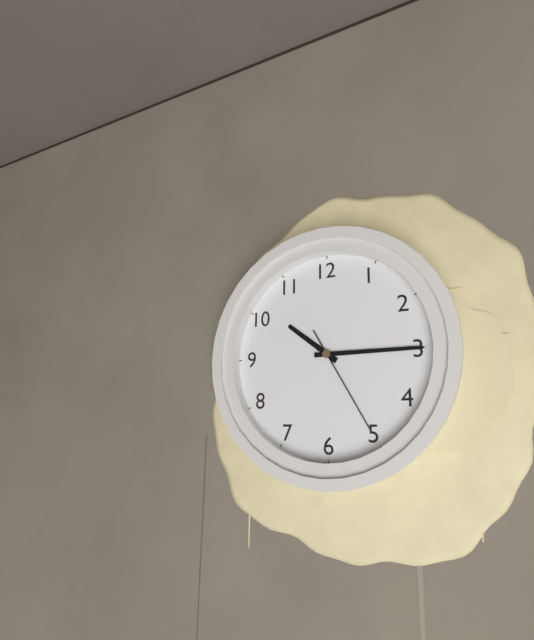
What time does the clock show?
10:15:25
